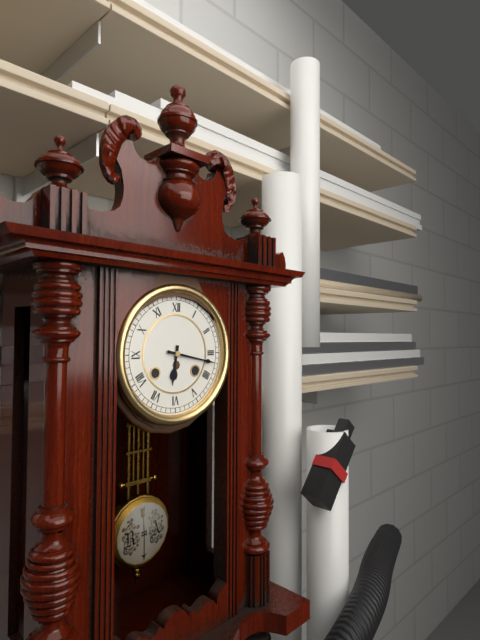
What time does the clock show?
6:17
